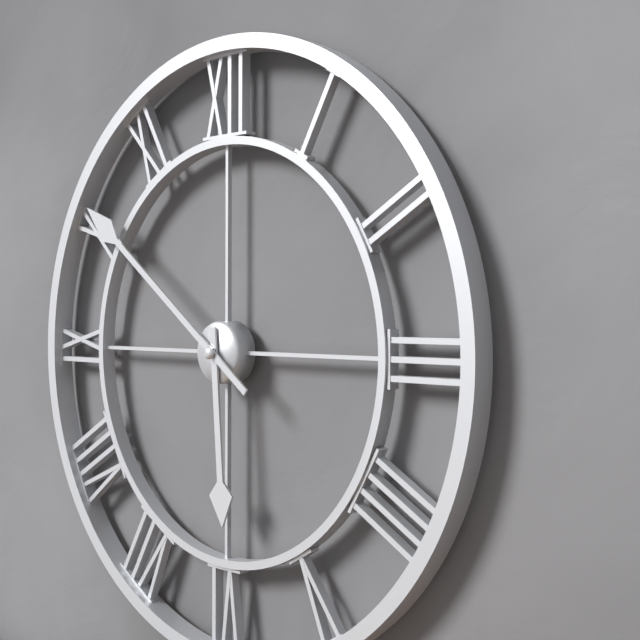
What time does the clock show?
5:51
